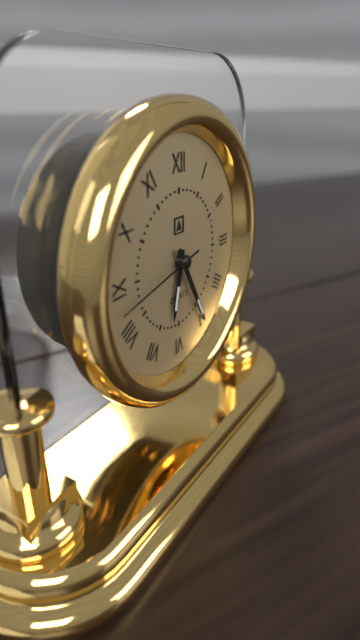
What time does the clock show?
6:25:43
